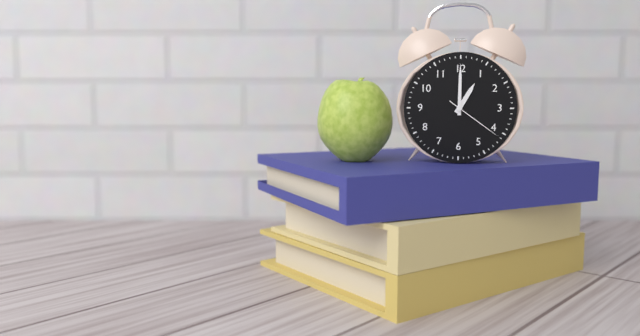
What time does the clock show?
1:00:21
